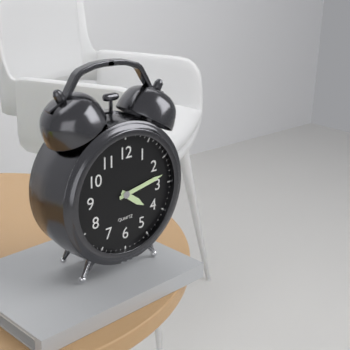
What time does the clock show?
4:13
